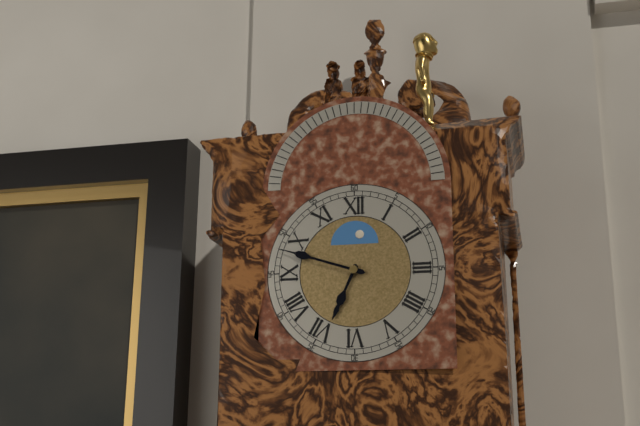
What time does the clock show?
6:48
